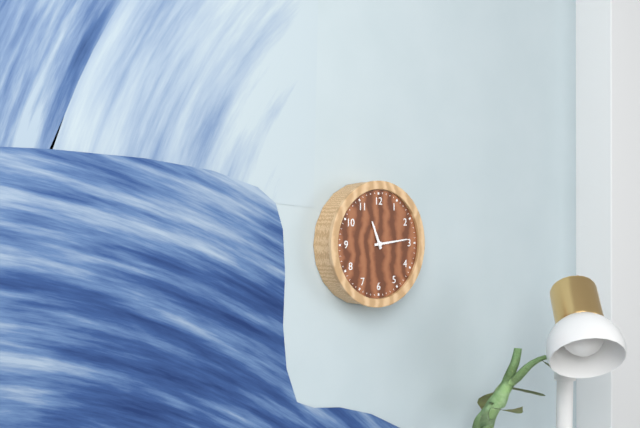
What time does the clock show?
11:14
